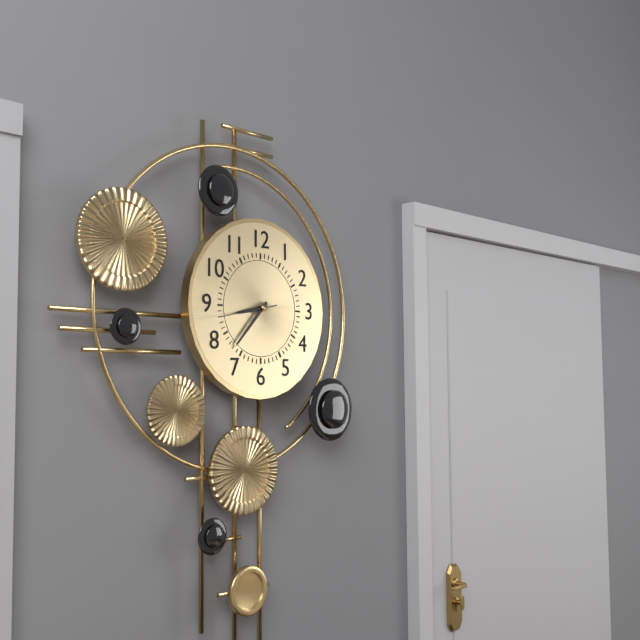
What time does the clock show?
8:37
